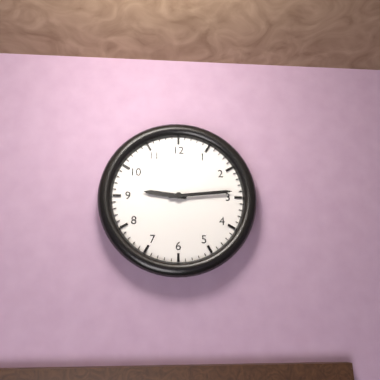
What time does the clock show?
9:14
